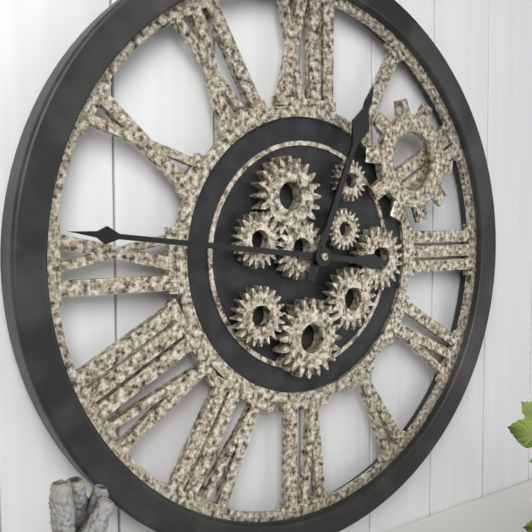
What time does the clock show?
12:46
